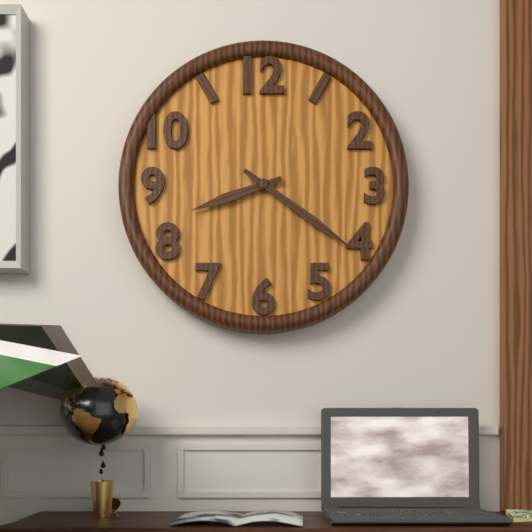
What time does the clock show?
8:21
